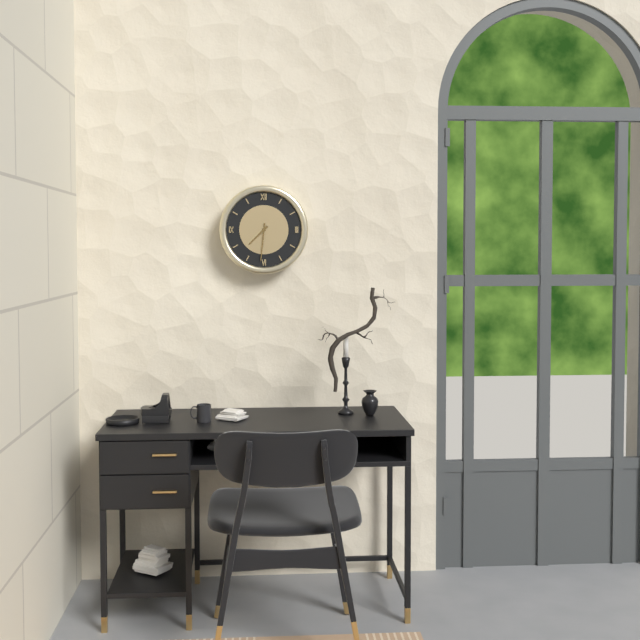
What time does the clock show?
7:31
